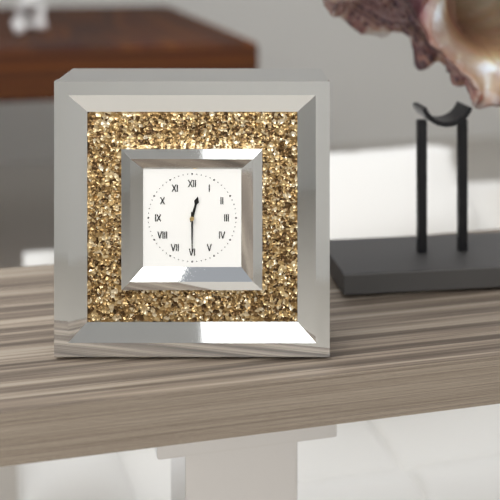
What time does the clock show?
12:30
